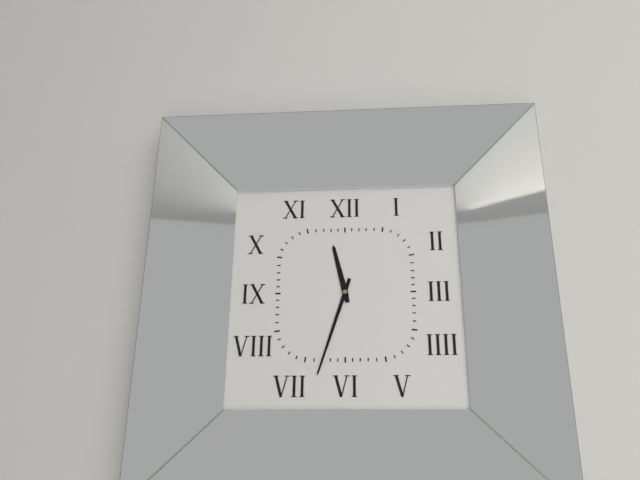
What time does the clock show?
11:33
